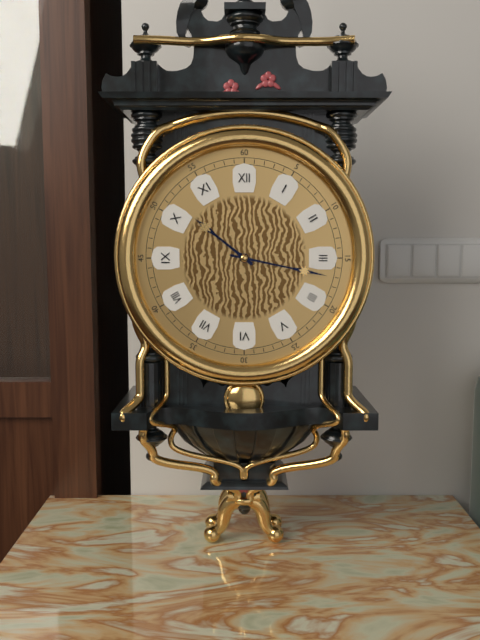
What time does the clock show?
10:17
